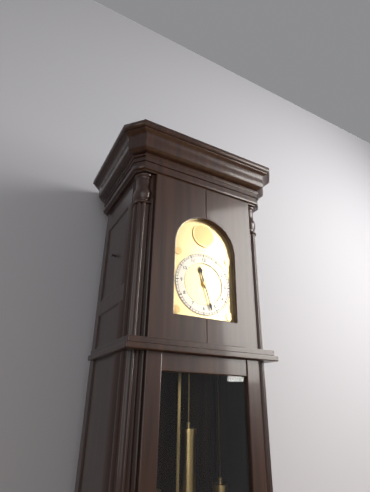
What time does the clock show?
11:27
